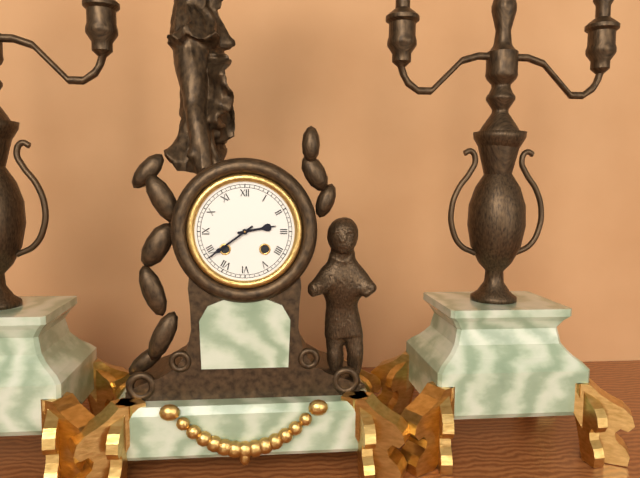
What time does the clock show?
2:39
